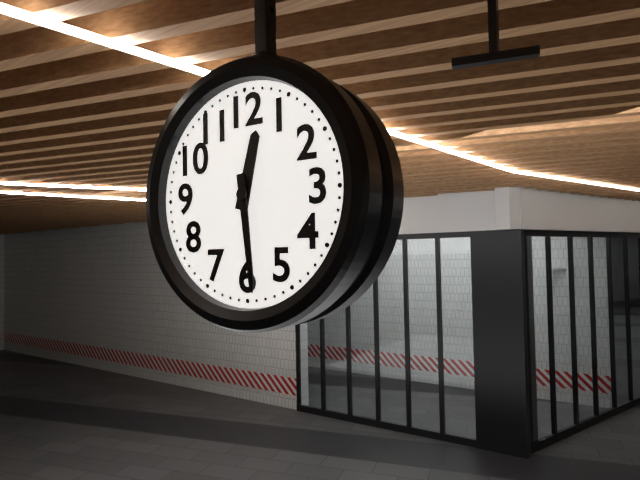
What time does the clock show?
12:29
